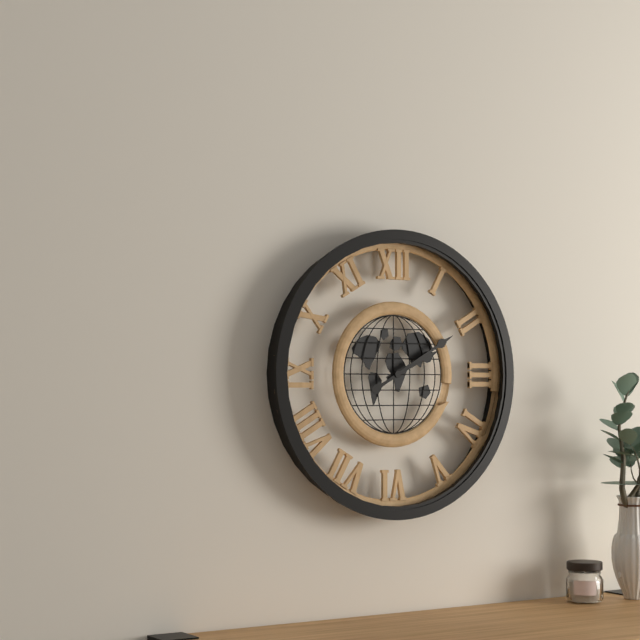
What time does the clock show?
2:10
